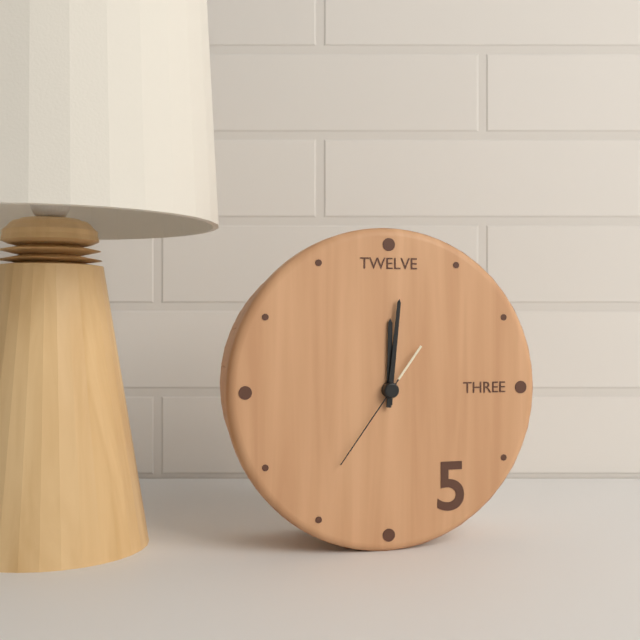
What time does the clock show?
12:01:36
